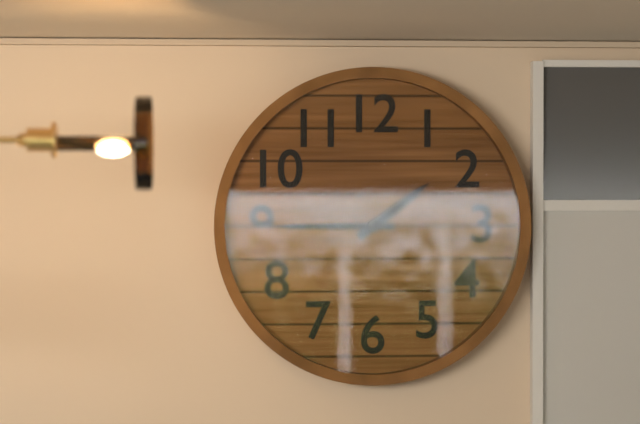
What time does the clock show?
1:45
